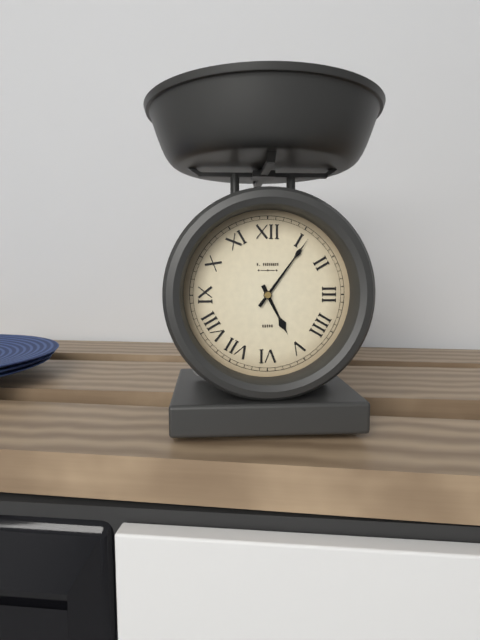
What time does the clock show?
5:06
